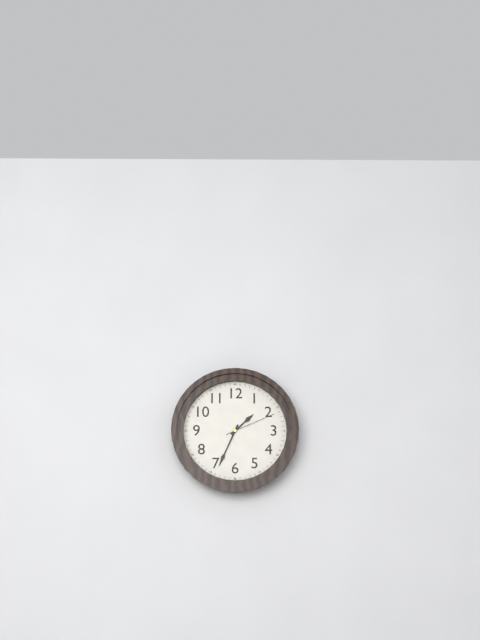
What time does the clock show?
1:34:11
